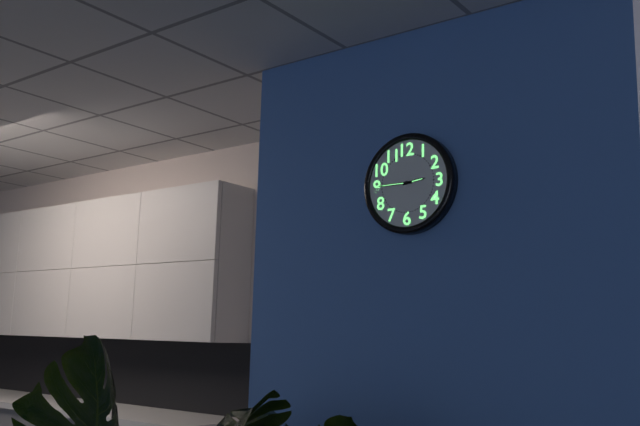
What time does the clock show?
2:45
